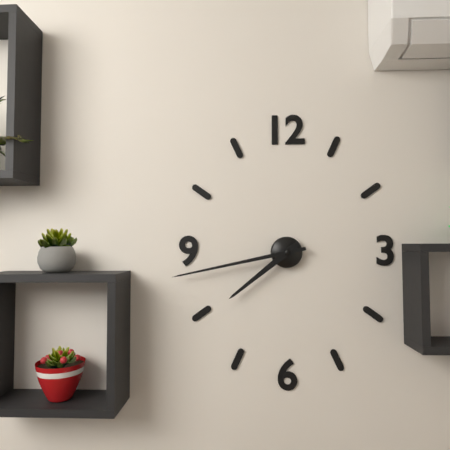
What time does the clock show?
7:43
